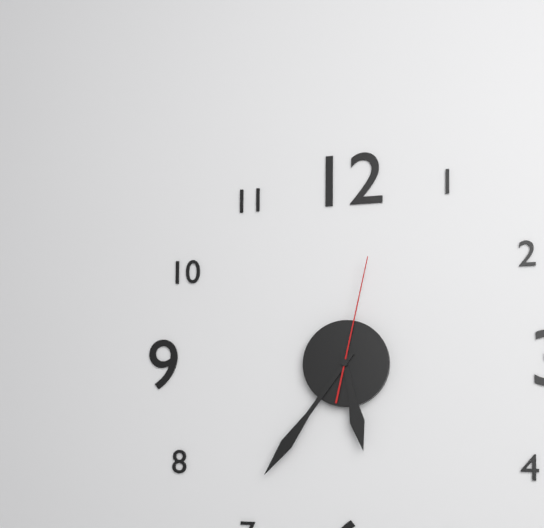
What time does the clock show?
5:36:02
